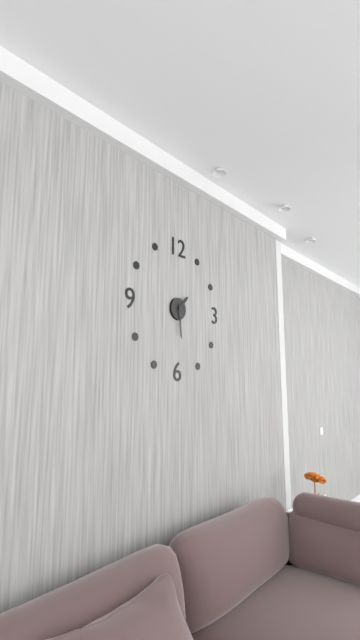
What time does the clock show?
1:29
